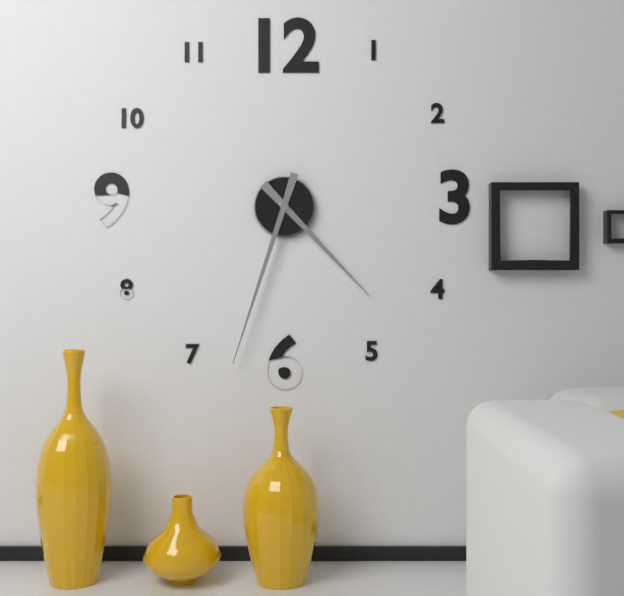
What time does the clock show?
4:33
